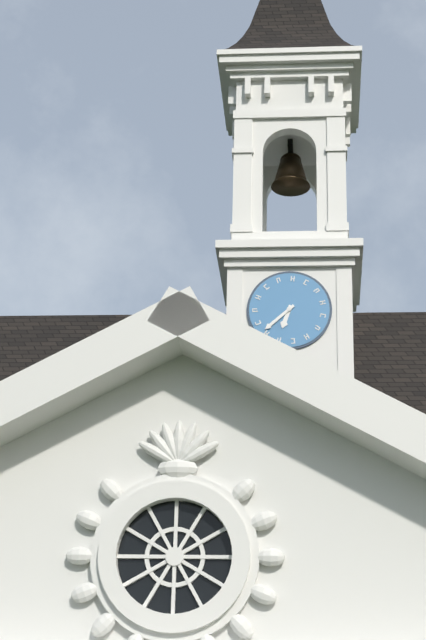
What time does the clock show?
6:38
